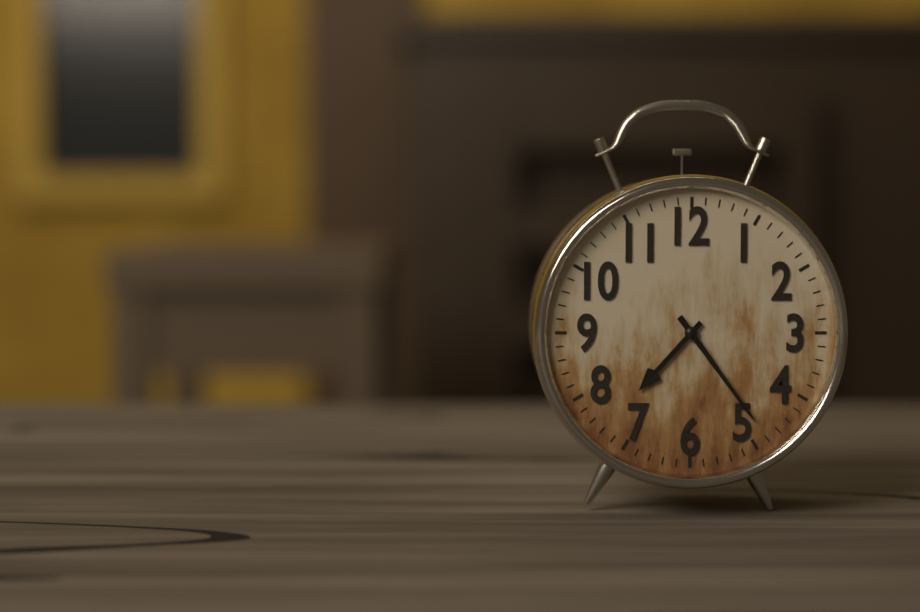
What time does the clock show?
7:24
